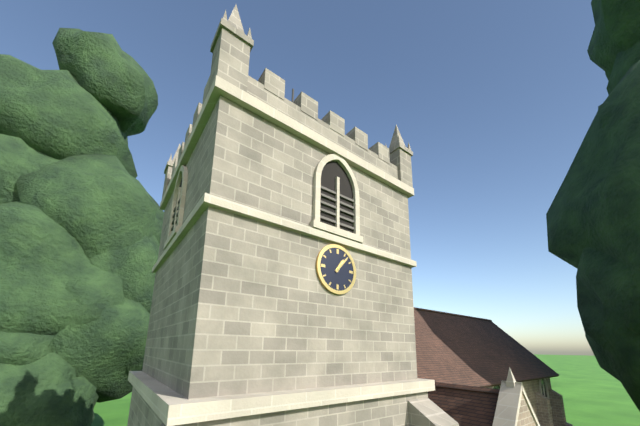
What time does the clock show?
1:07
